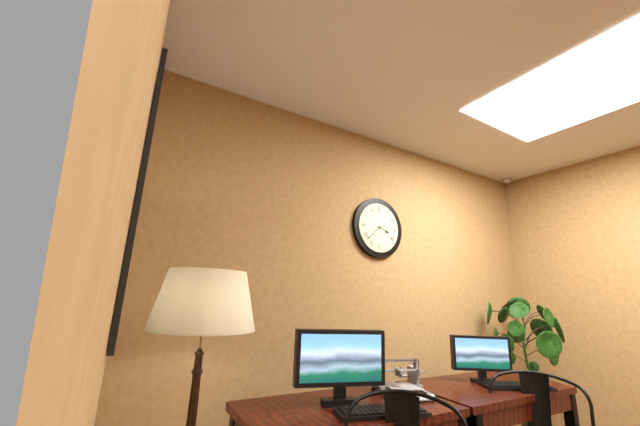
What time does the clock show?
3:38
